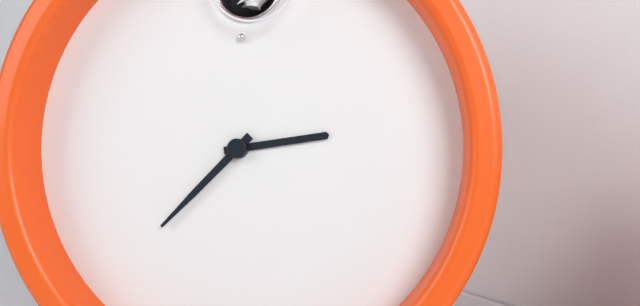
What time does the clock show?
2:37
